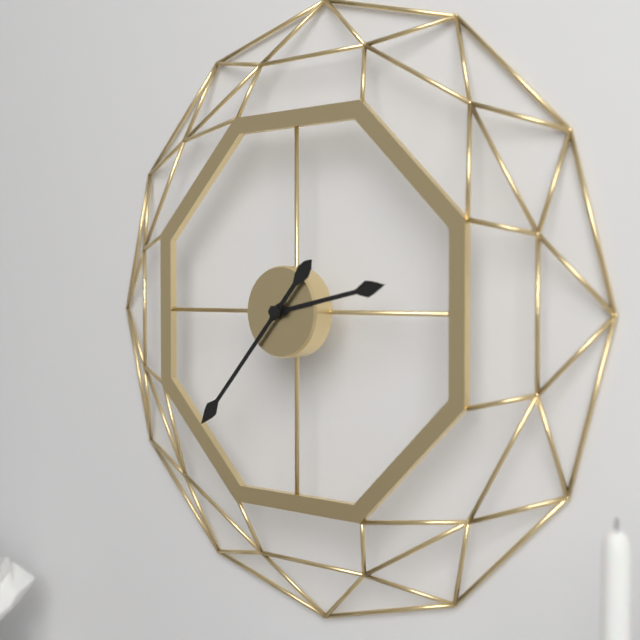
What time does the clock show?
2:37
